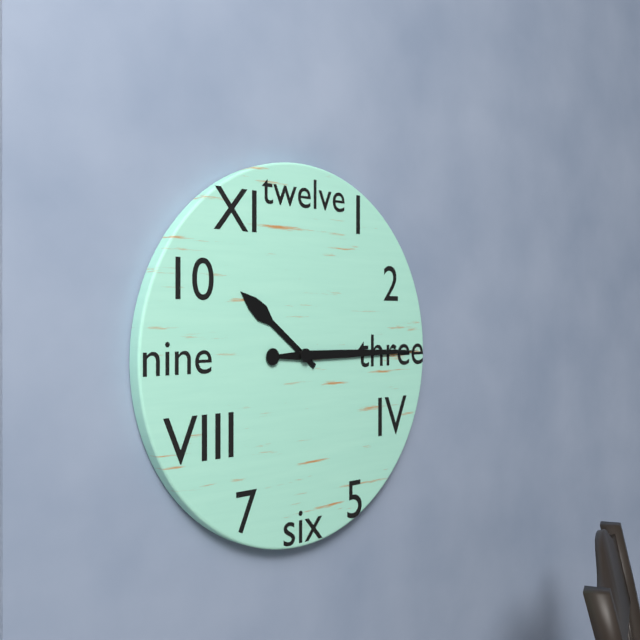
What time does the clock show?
10:15
